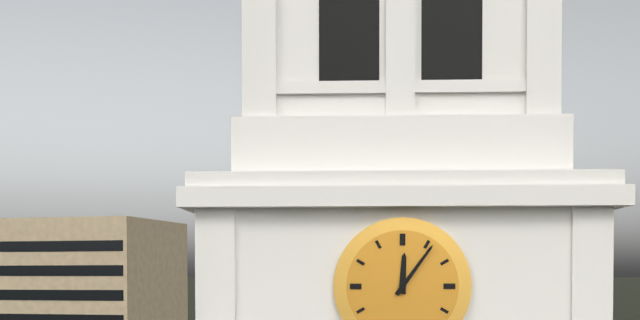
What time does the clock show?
12:06
